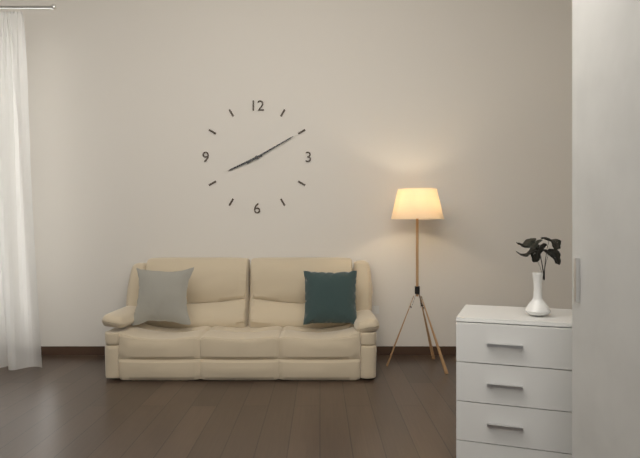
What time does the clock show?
8:10
